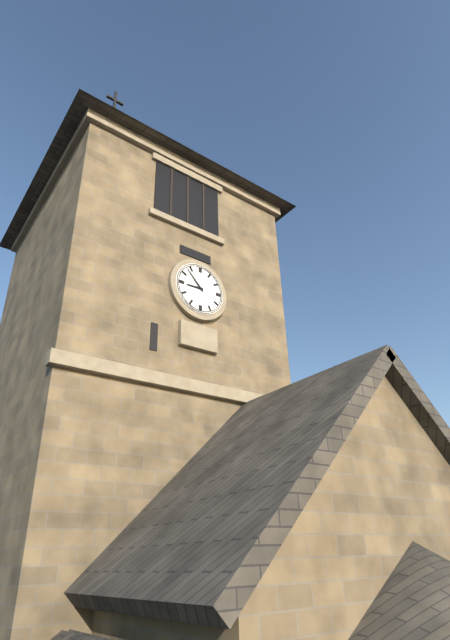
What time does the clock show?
8:53
